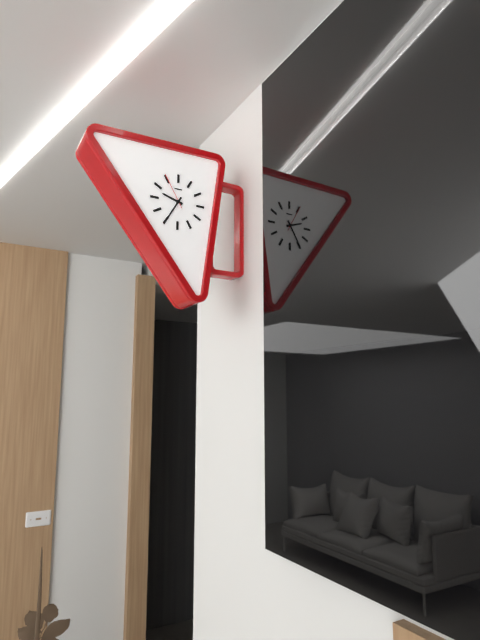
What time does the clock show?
9:35
